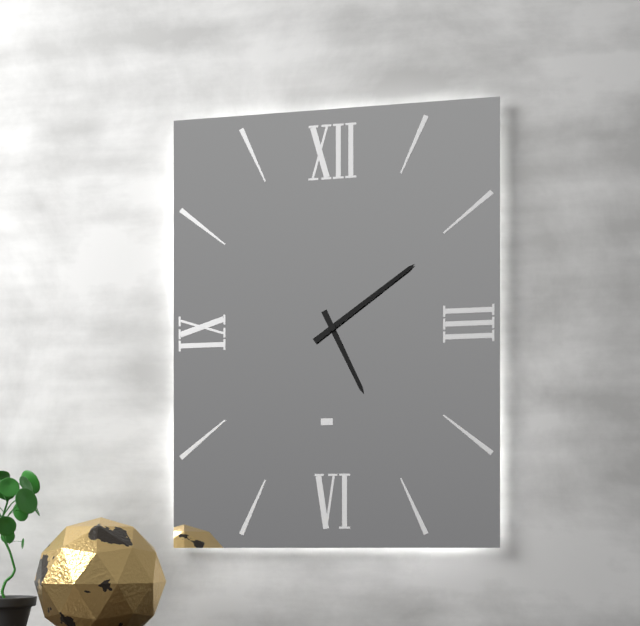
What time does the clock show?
5:09
